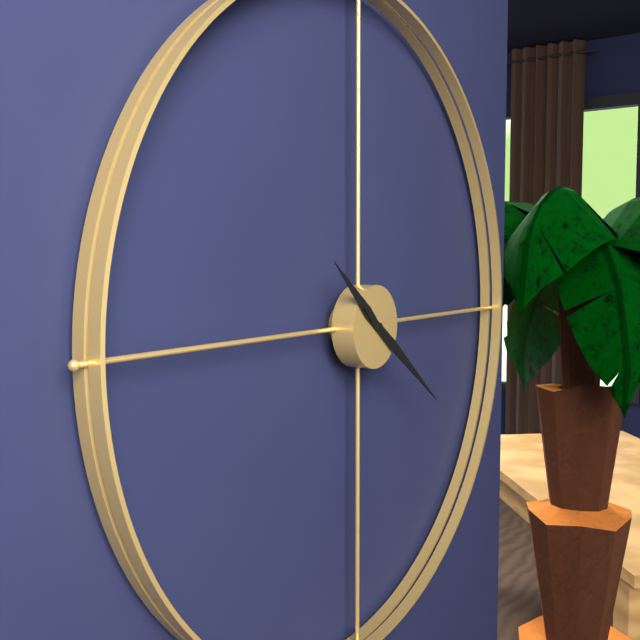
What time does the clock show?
10:21
